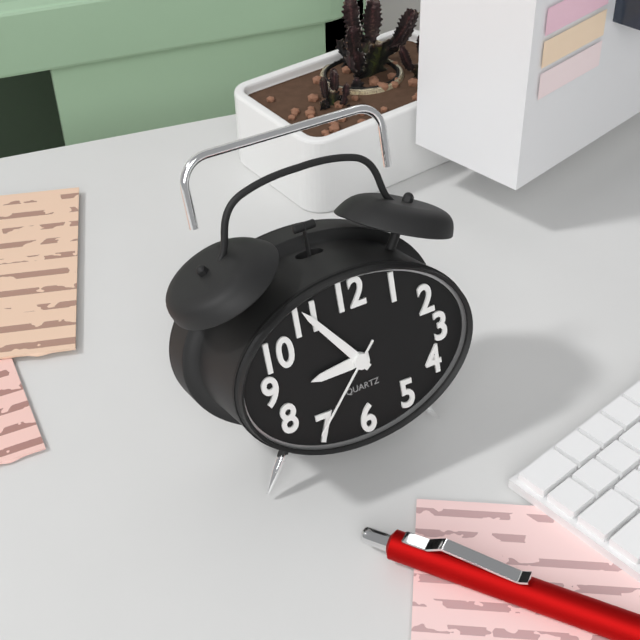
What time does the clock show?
8:54:37
